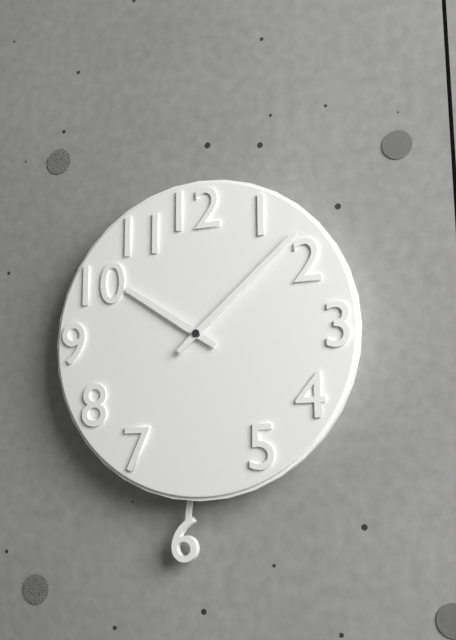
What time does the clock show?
10:08
